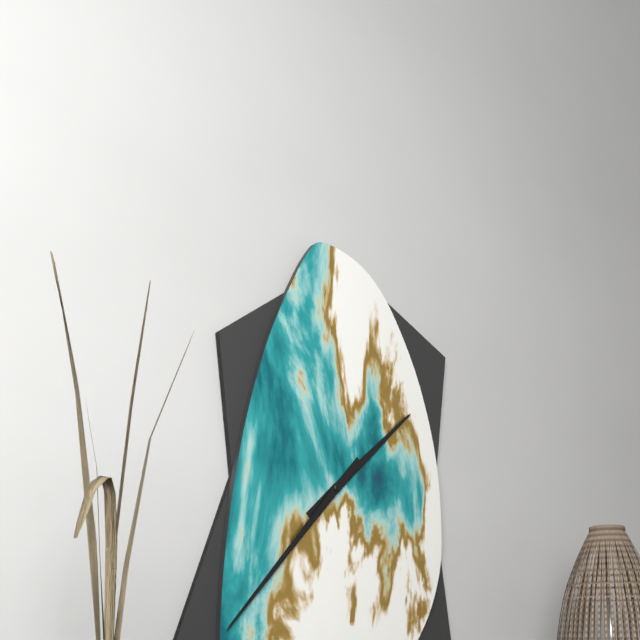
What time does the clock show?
1:37
